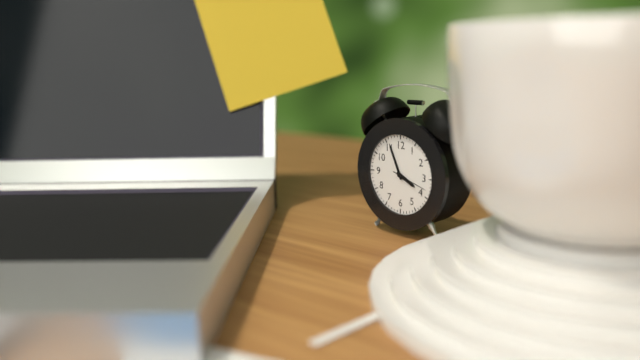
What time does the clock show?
3:56
